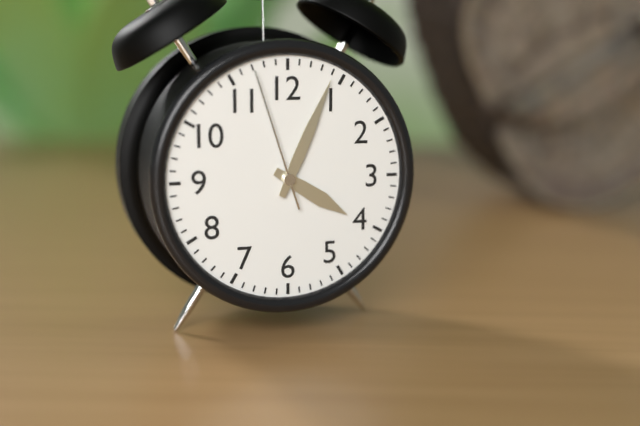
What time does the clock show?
4:04:57
